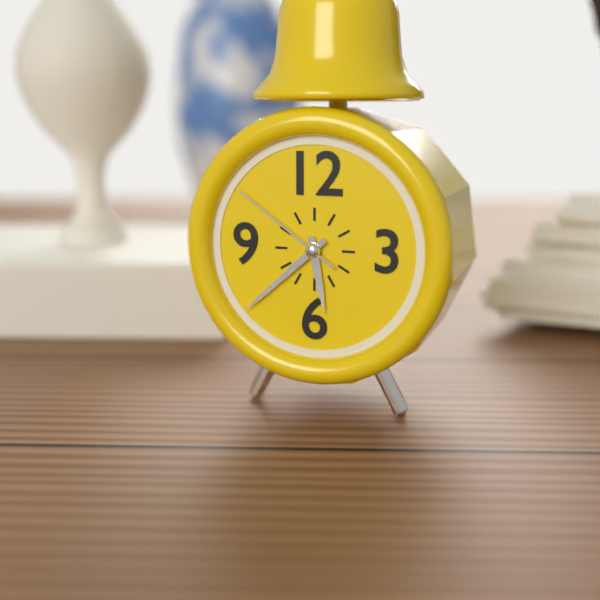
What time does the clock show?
5:38:51
